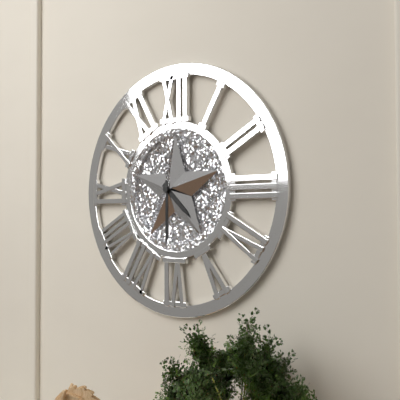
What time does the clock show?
4:30
